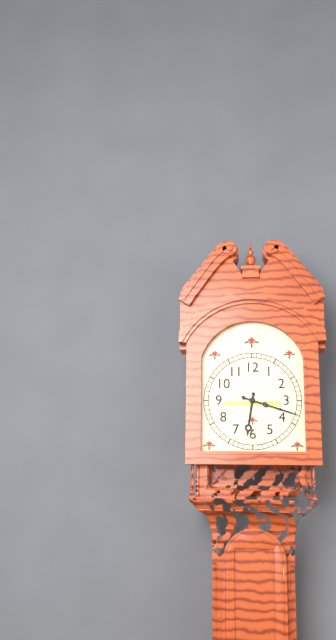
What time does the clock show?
6:18
